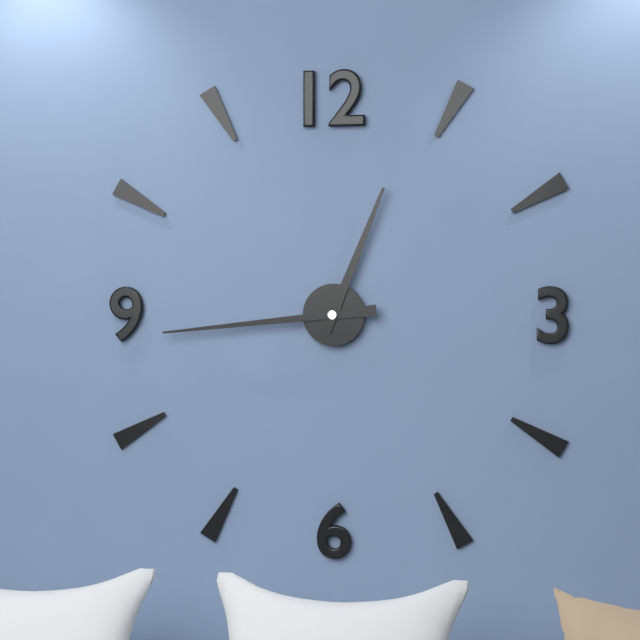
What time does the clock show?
12:44
